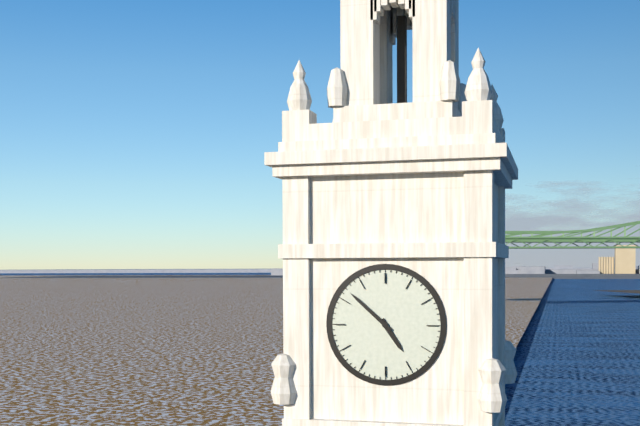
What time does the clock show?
4:52
